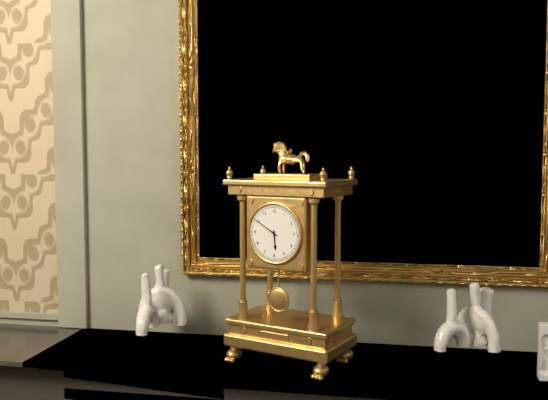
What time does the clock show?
5:50
